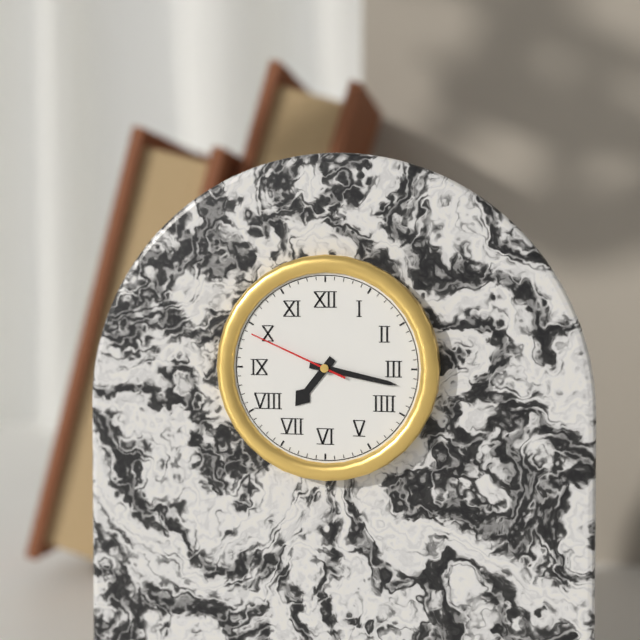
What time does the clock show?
7:17:49
